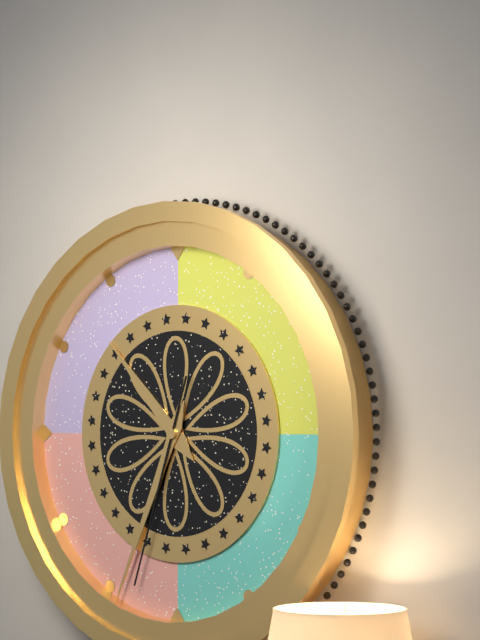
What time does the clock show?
10:34:33
